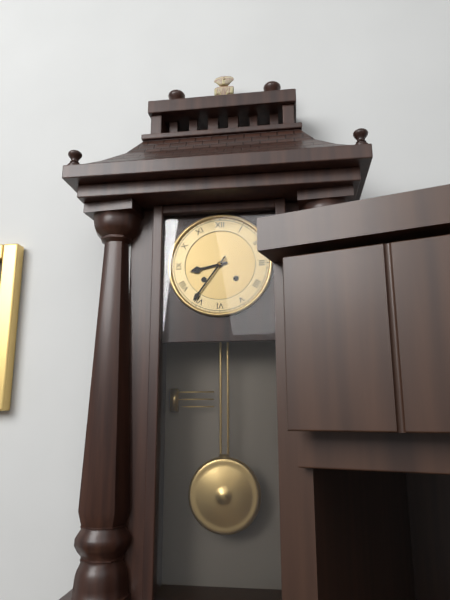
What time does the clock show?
8:36
